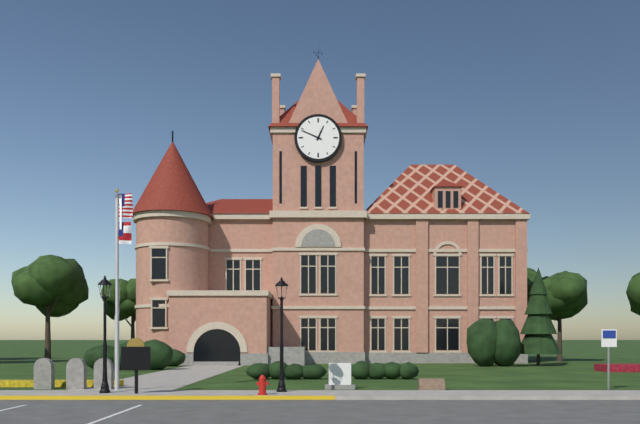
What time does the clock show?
12:49
